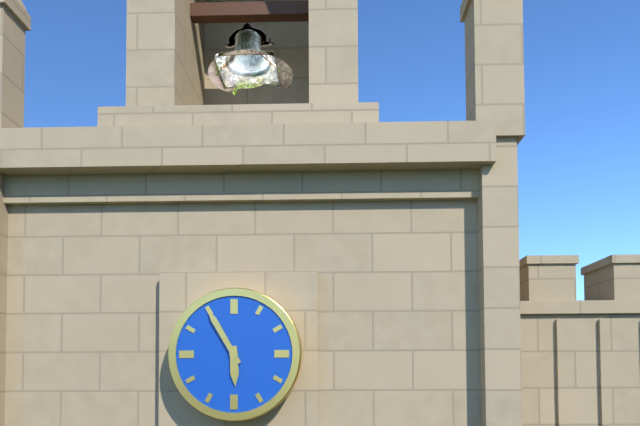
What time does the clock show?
5:55
